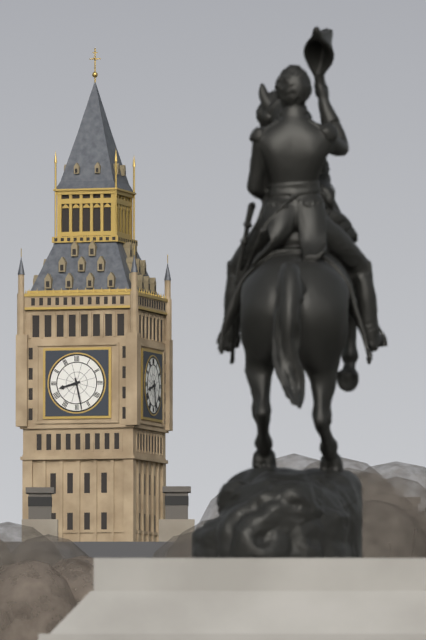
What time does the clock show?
8:28
